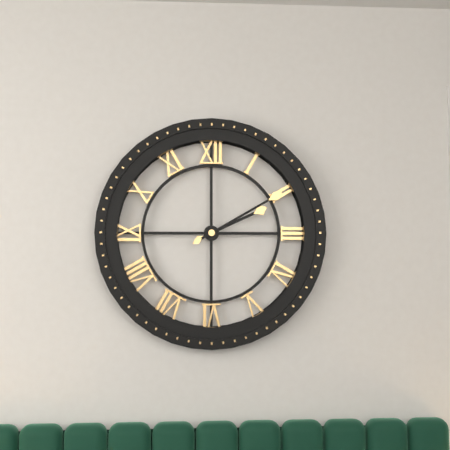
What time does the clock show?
2:10
